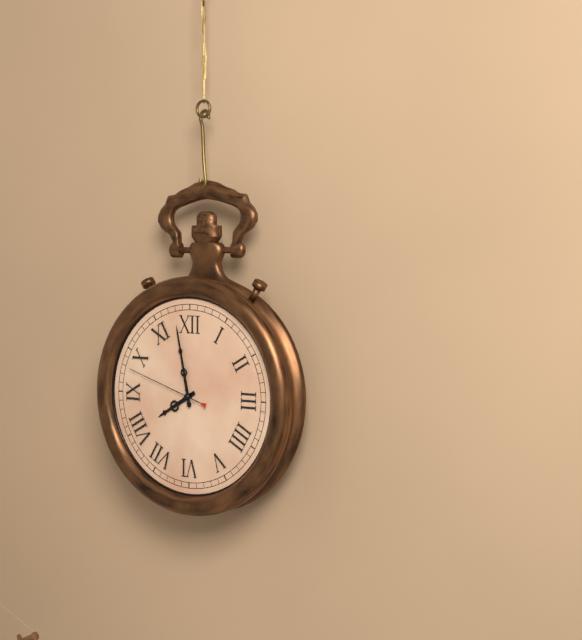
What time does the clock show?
7:58:48
